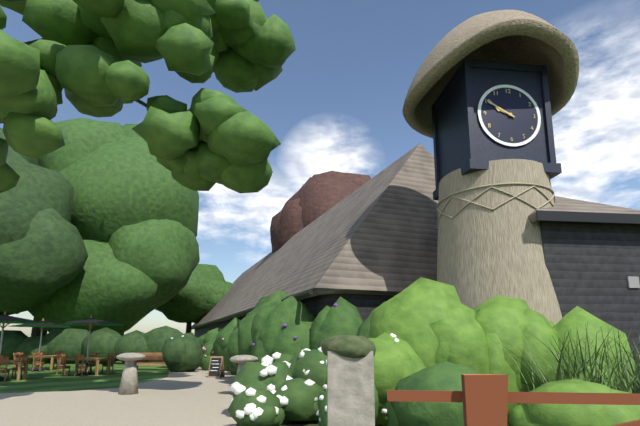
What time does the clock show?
9:50
